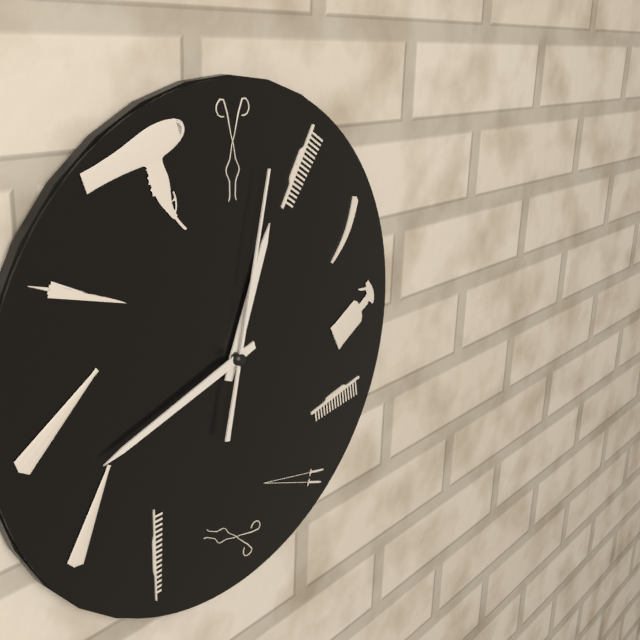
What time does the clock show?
12:42:02
